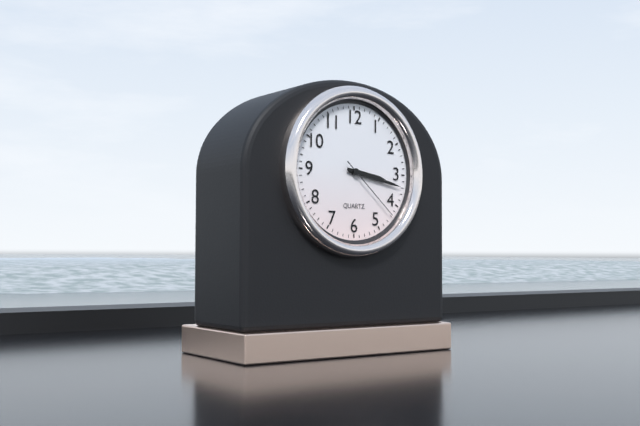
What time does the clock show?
3:17:22
